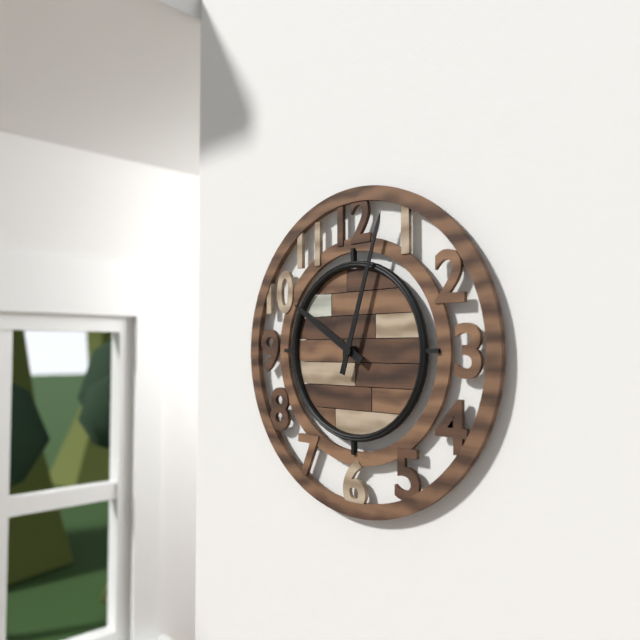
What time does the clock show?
10:03
